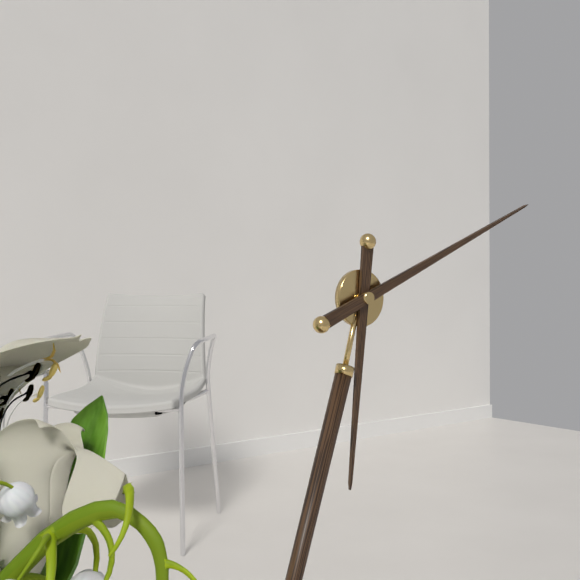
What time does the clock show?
6:11
